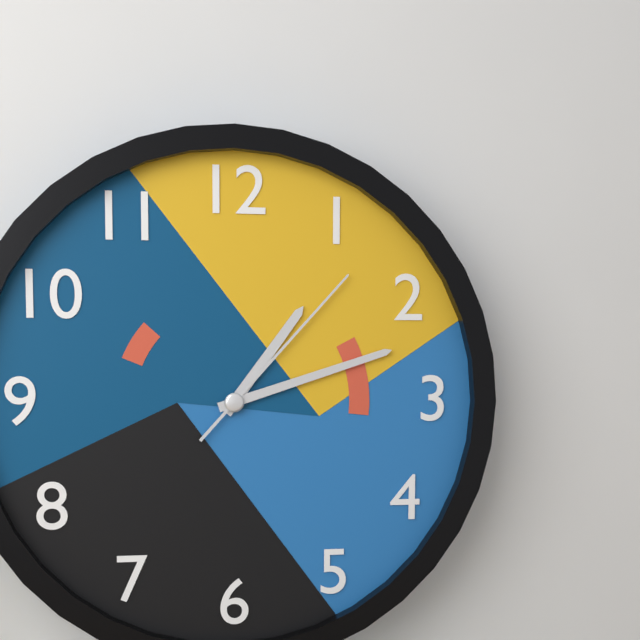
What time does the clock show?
1:12:07
